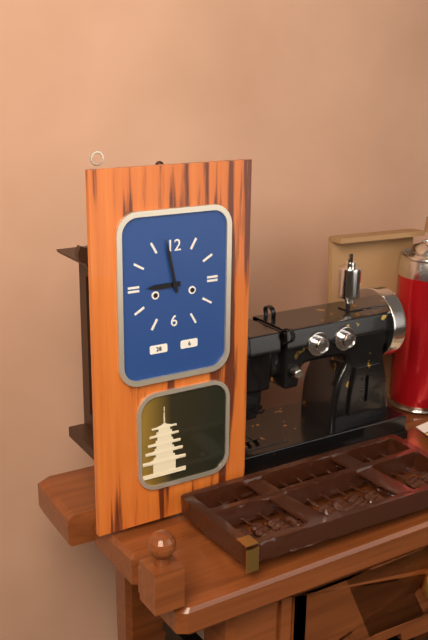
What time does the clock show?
8:58
